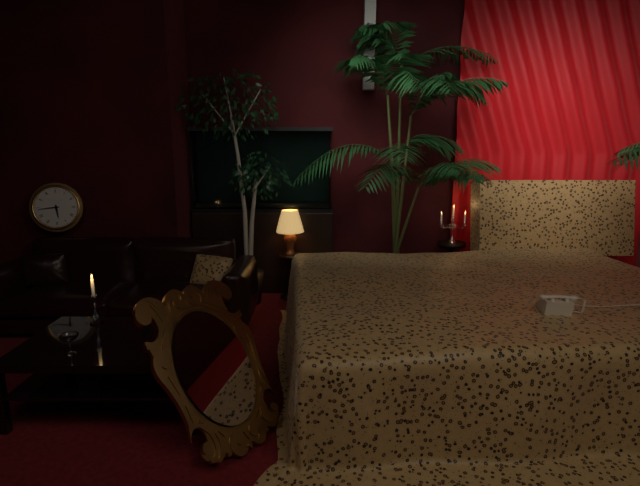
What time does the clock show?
5:44
